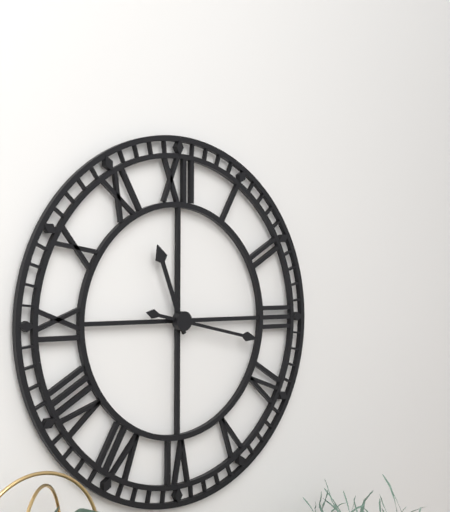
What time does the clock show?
11:17
